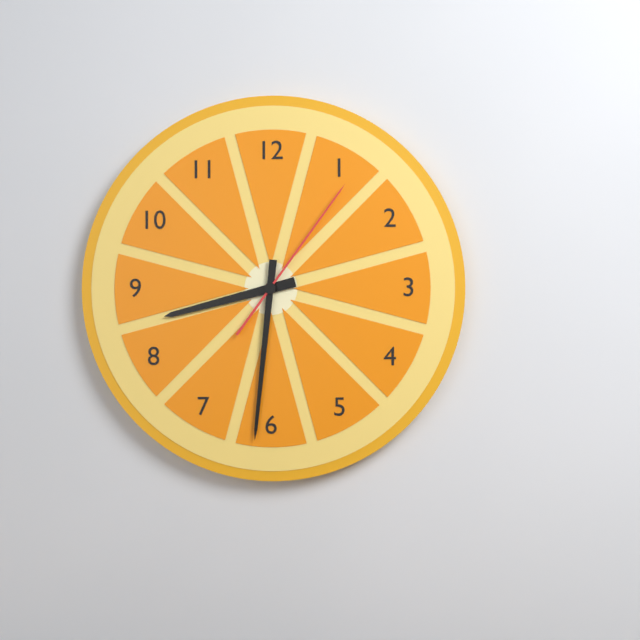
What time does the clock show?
8:31:06
